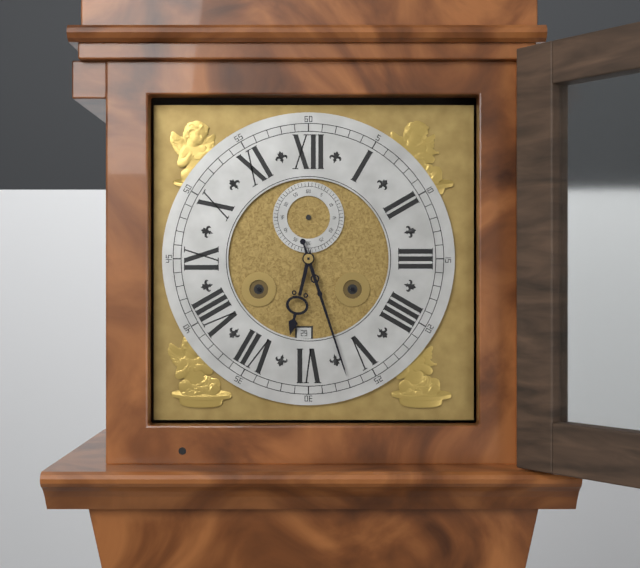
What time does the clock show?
6:27
